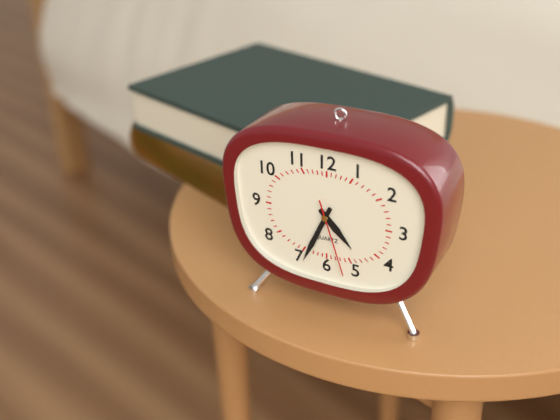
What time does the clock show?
4:34:27
